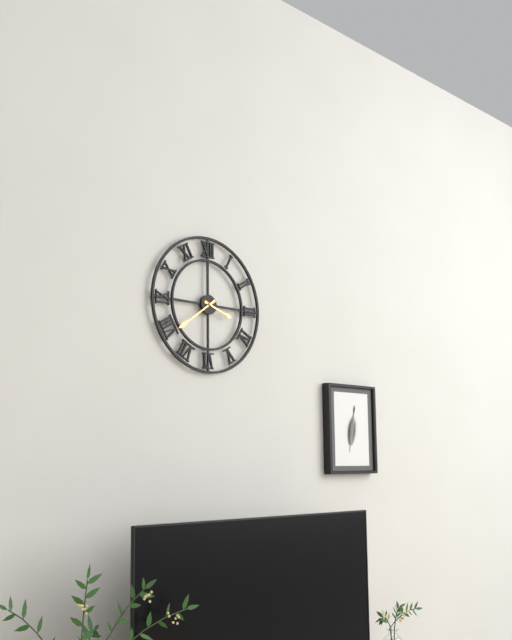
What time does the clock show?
3:39
